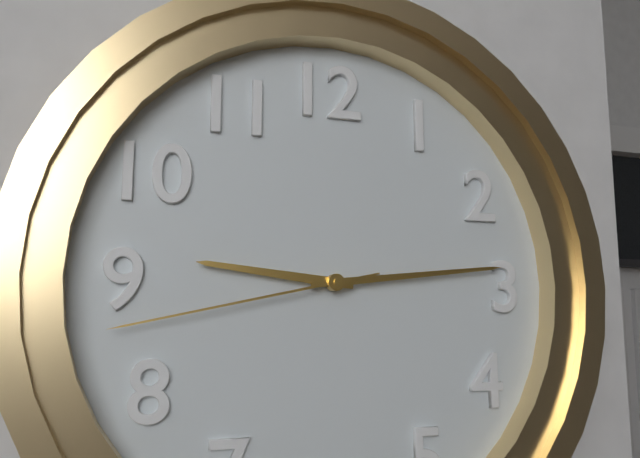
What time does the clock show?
9:14:43
